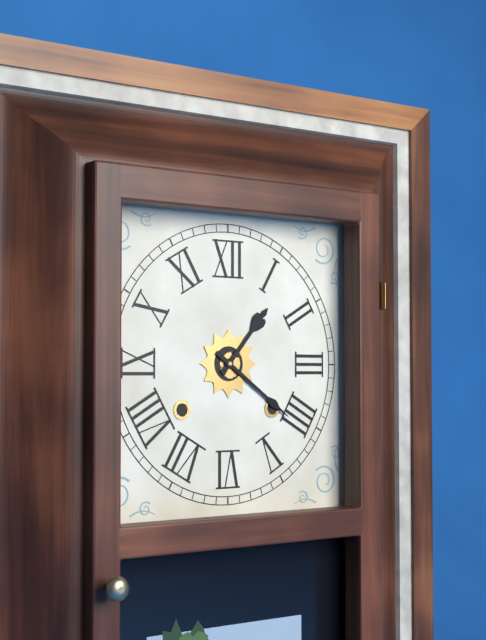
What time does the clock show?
1:21
